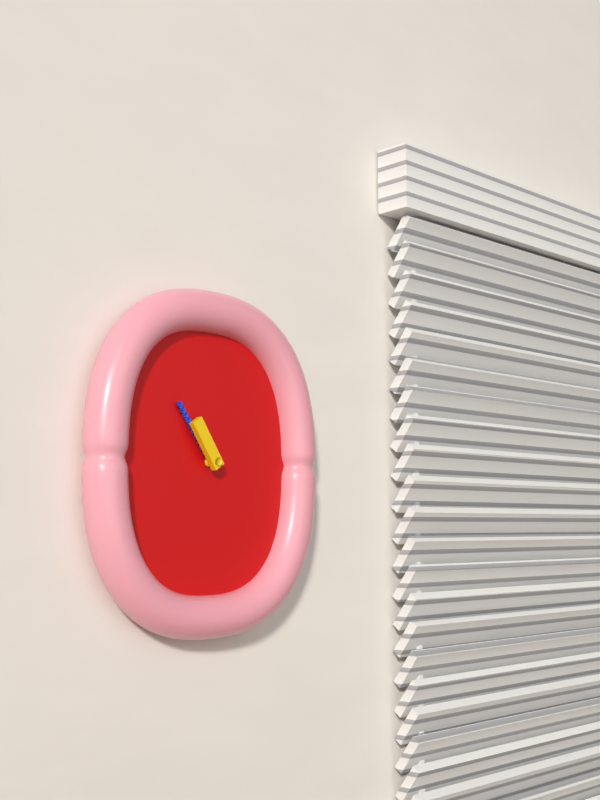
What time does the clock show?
10:54
